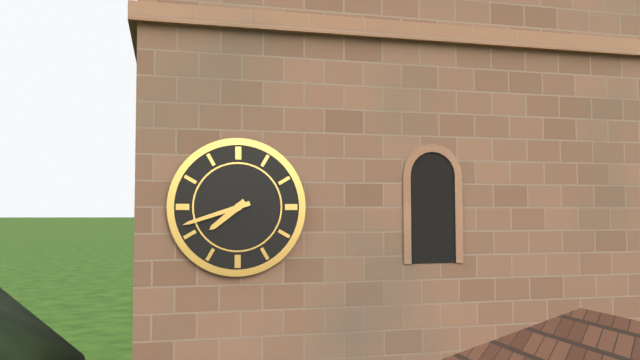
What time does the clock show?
7:42
